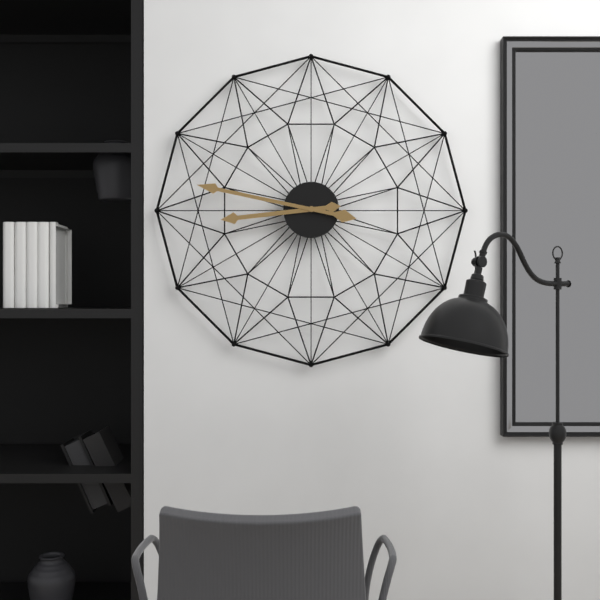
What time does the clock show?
8:47
